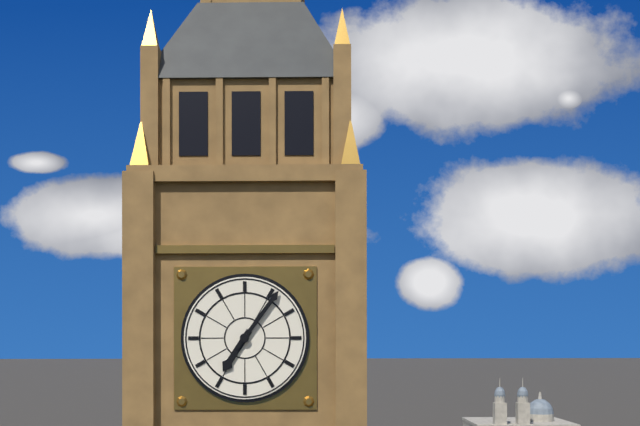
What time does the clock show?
7:06
